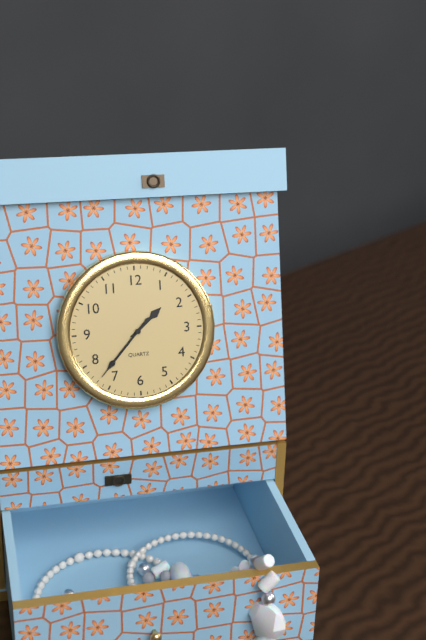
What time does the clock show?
1:37:37
